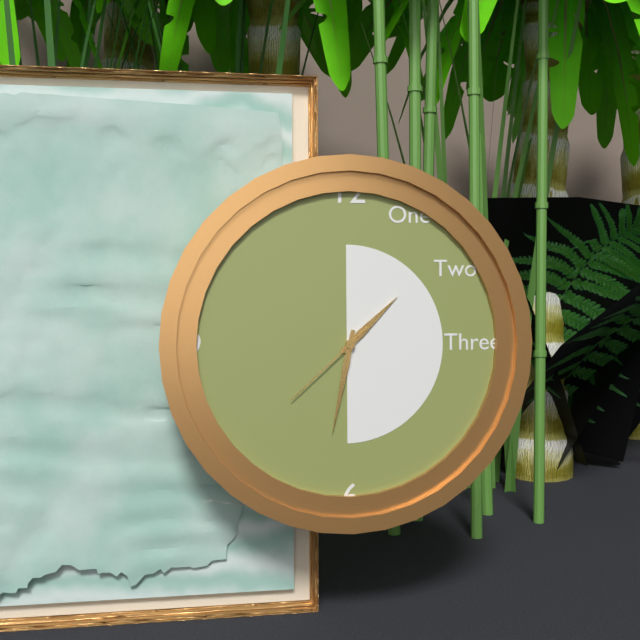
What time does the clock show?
1:32:38
